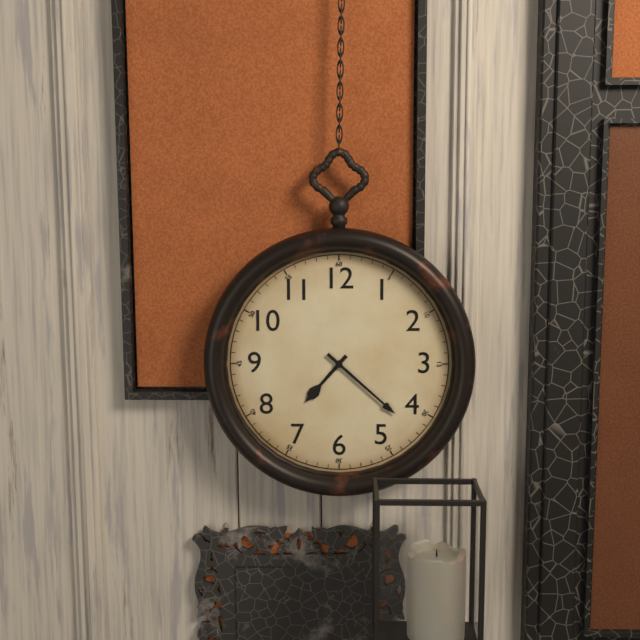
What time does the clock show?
7:22
